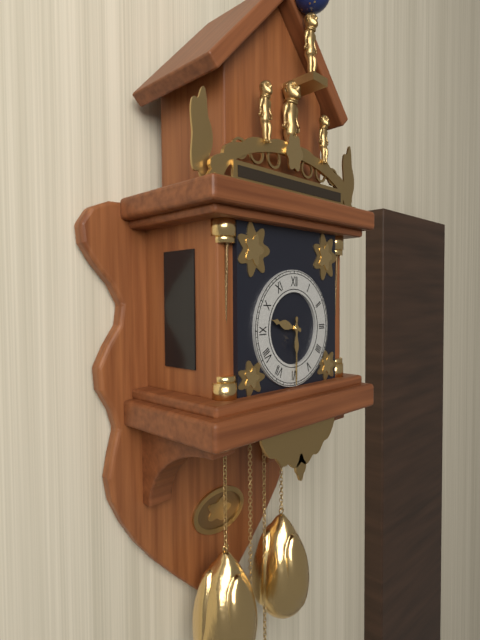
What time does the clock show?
9:30
